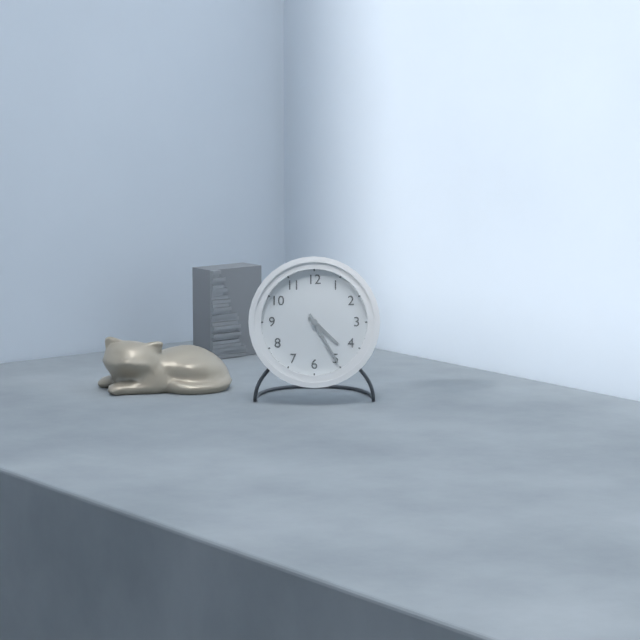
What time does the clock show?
4:25
